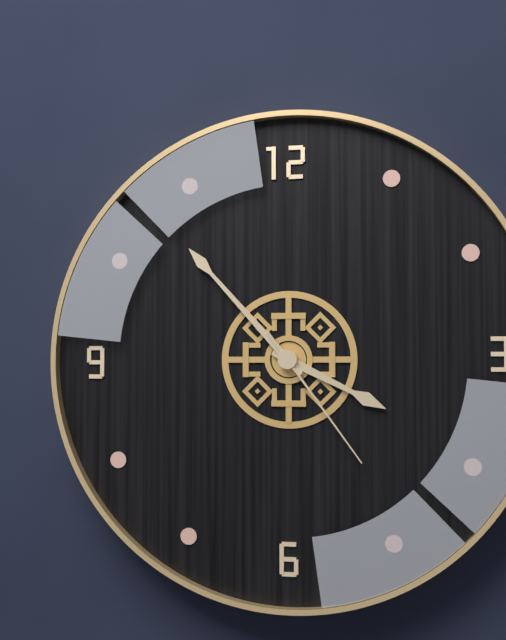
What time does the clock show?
3:53:24
